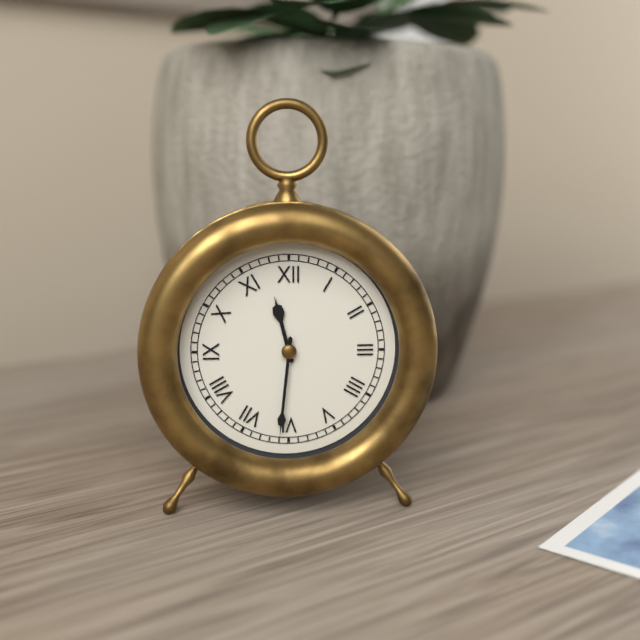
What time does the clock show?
11:31
